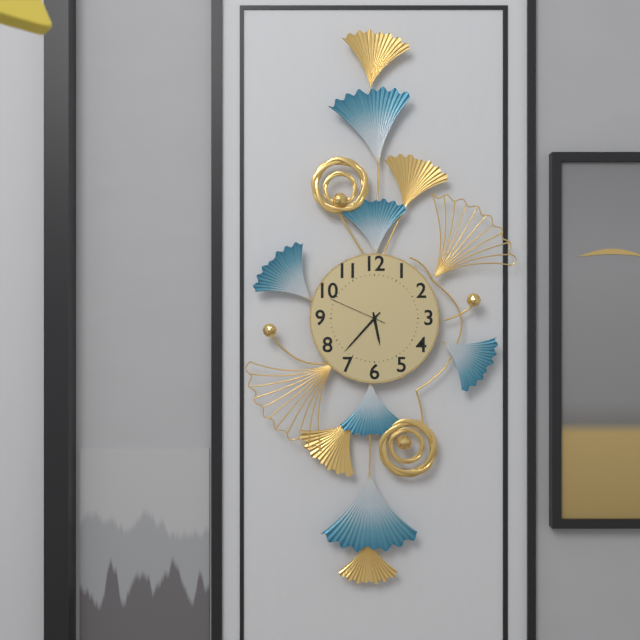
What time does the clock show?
5:37:49
